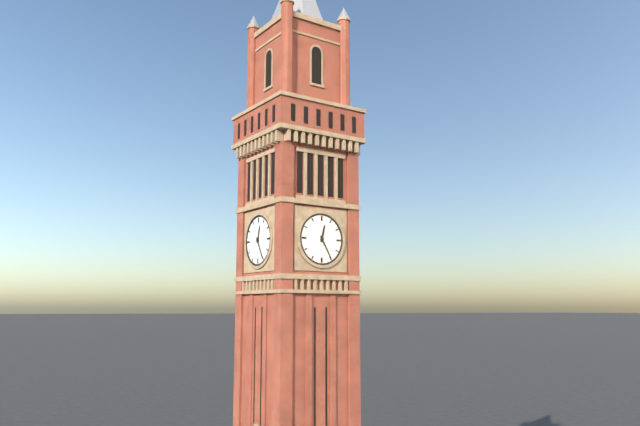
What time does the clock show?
12:25
